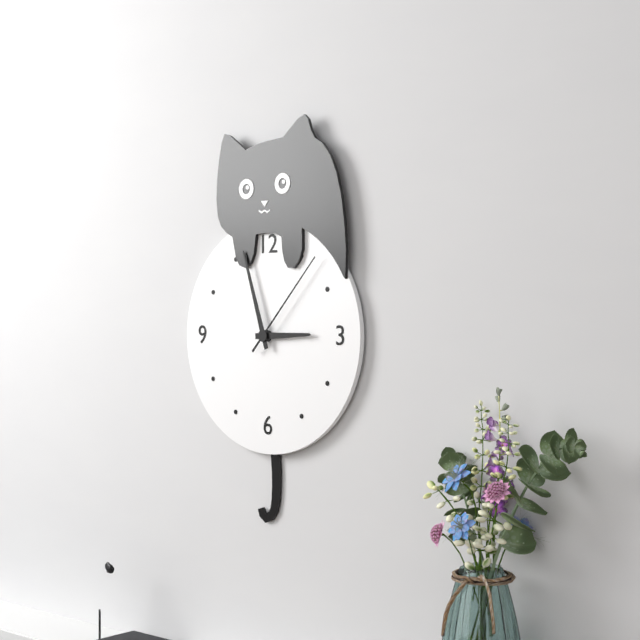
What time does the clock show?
2:57:07
